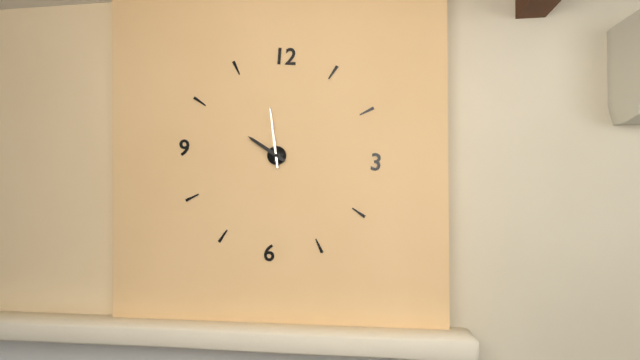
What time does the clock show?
9:58
